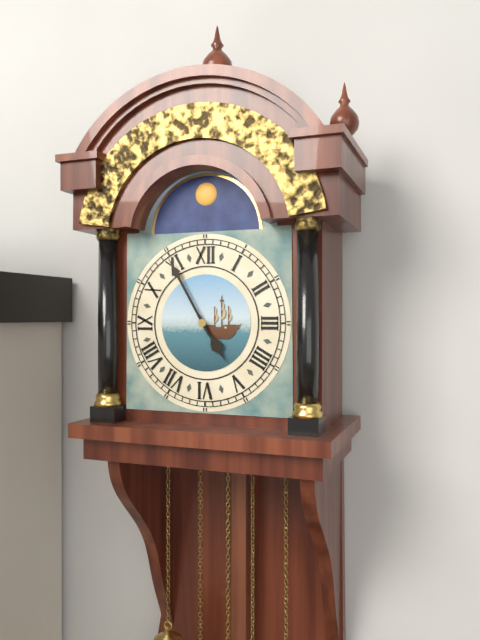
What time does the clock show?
4:55
